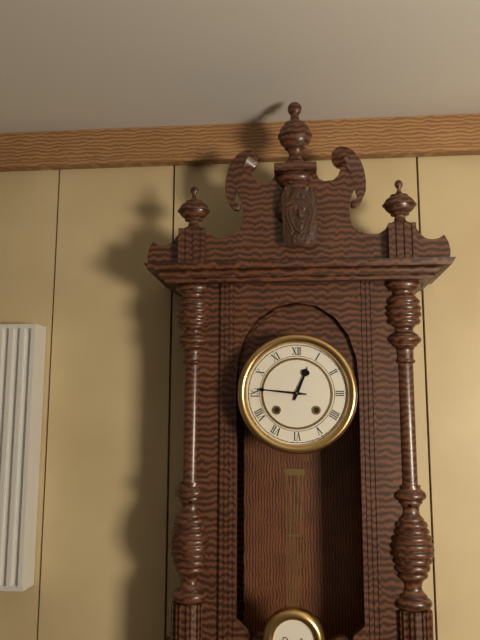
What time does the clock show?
12:46
